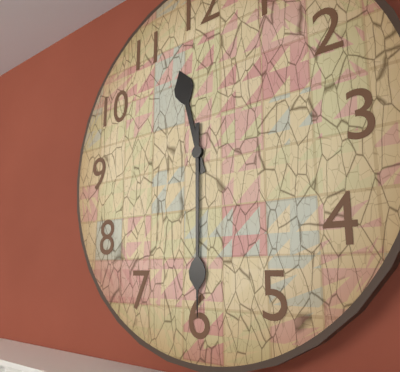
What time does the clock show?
11:30
